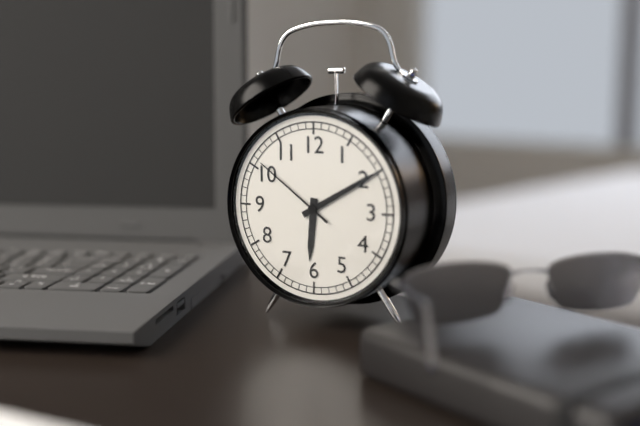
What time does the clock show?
6:10:51
